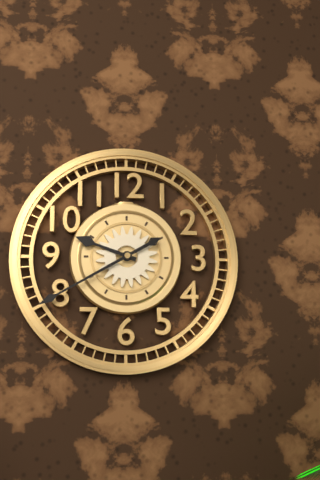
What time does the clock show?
9:40
